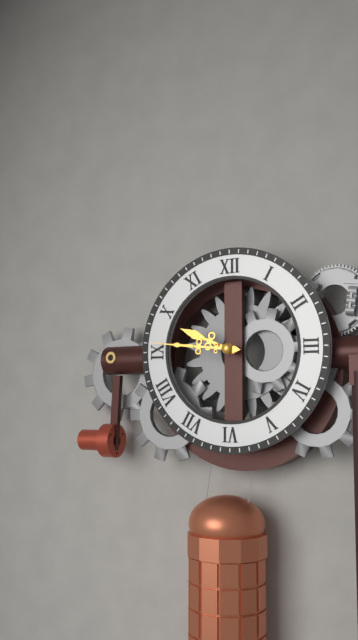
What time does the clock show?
9:46
